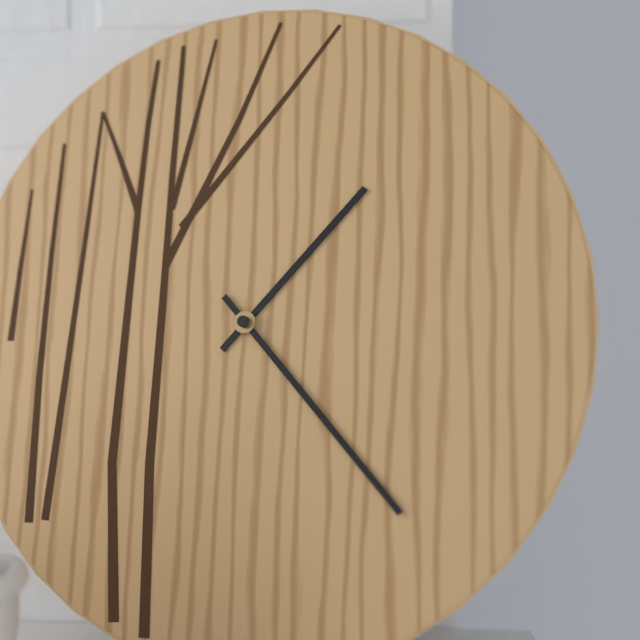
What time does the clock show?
1:23
